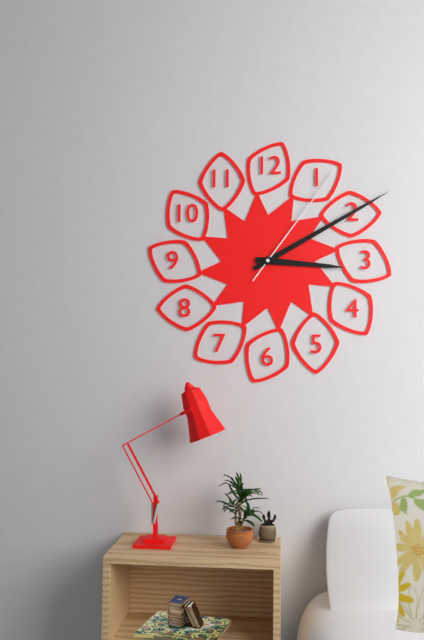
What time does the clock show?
3:10:06
